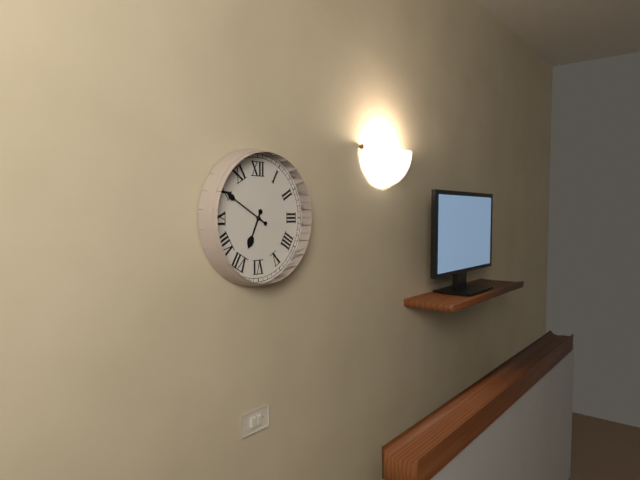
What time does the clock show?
6:50
